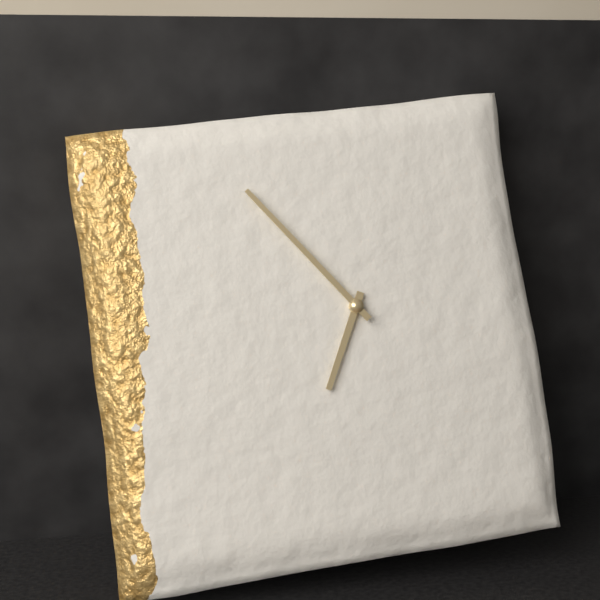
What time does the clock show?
6:54
